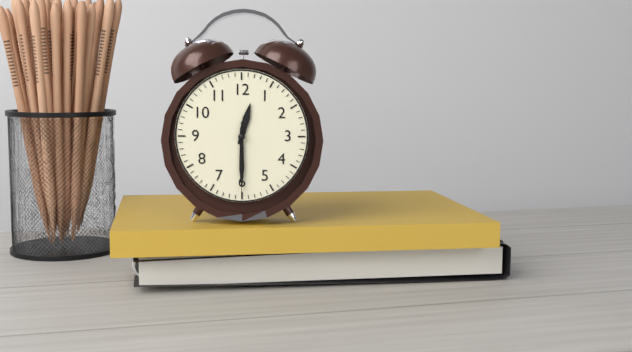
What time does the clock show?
12:30:30
